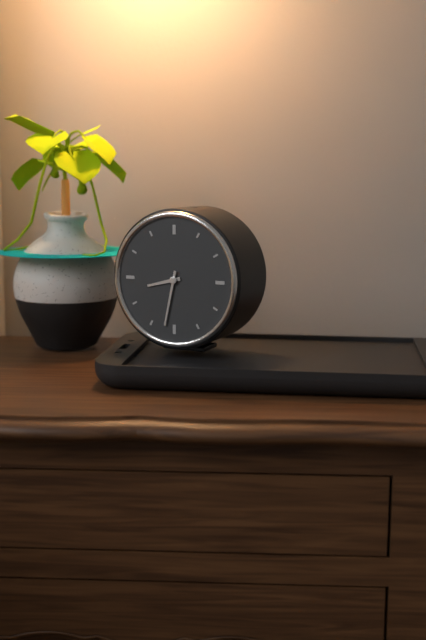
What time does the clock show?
8:32
